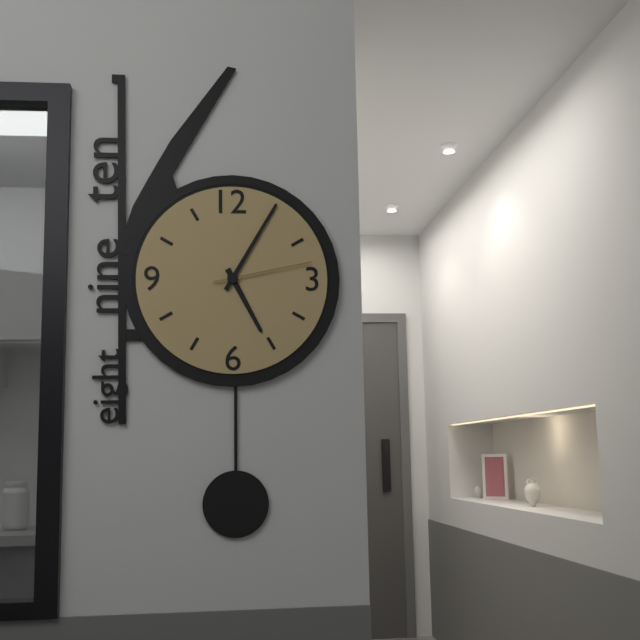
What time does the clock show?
5:05:13
